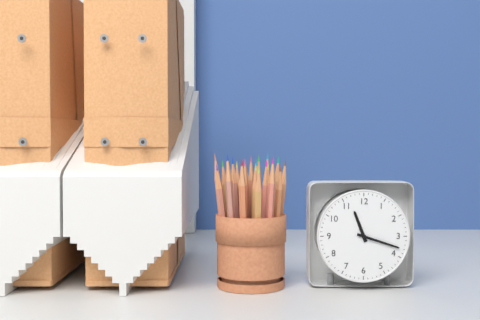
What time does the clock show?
11:18
